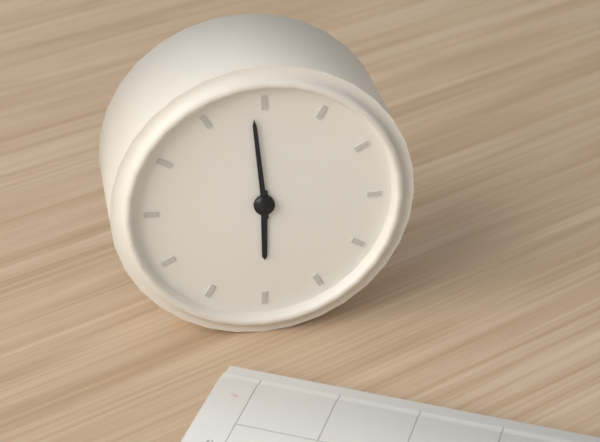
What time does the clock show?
5:59
